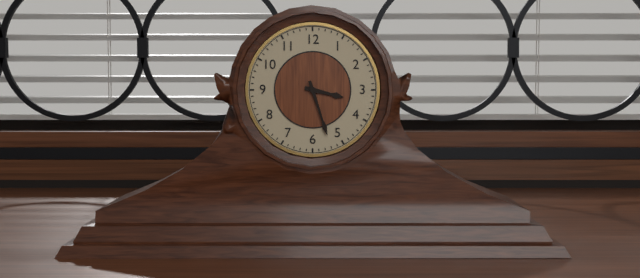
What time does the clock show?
3:27
